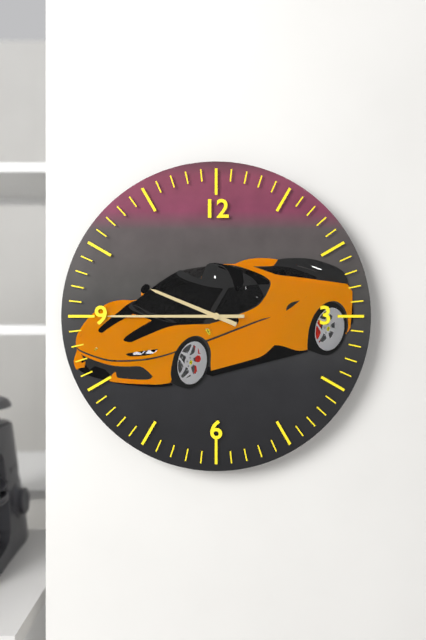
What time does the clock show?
9:45
